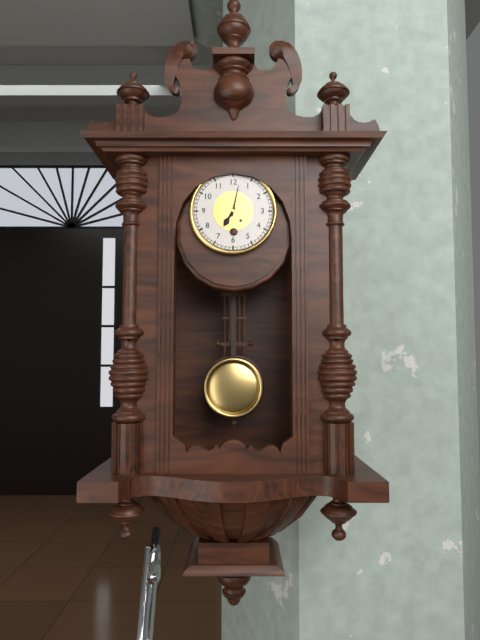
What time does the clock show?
7:02
